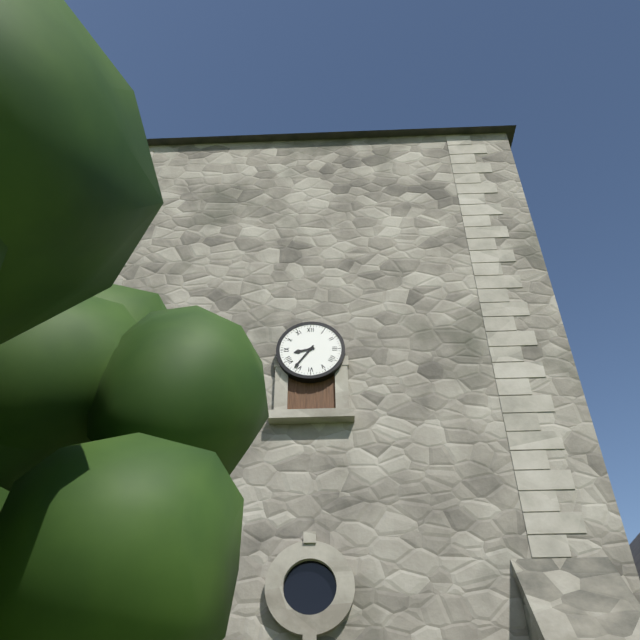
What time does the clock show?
8:36
